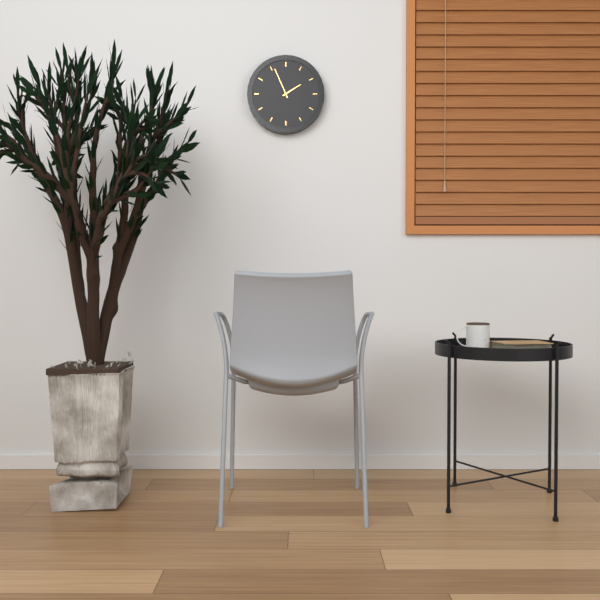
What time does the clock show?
1:56
